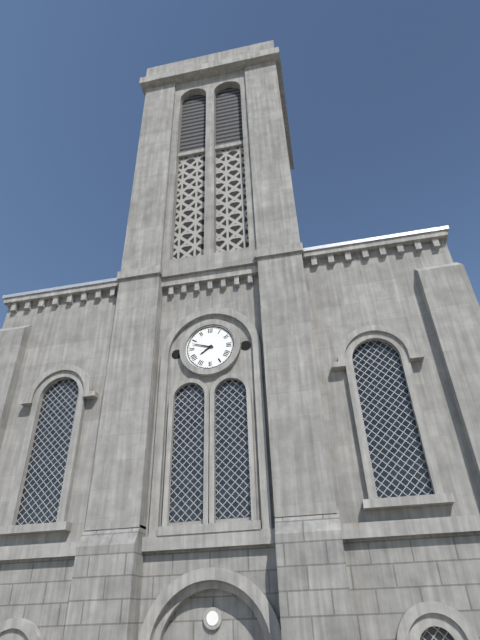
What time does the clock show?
7:48
